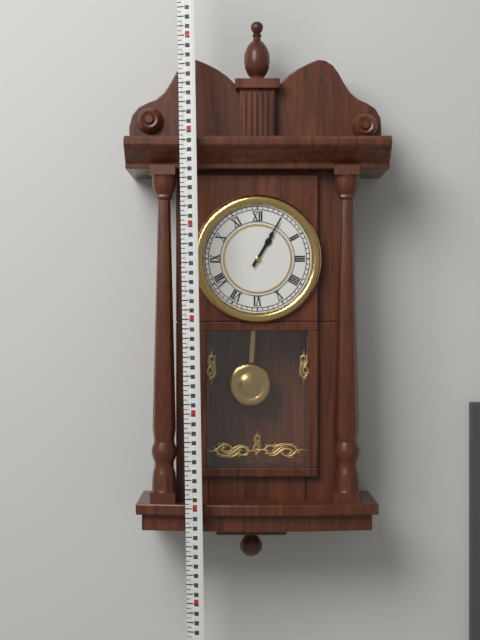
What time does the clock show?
1:05
